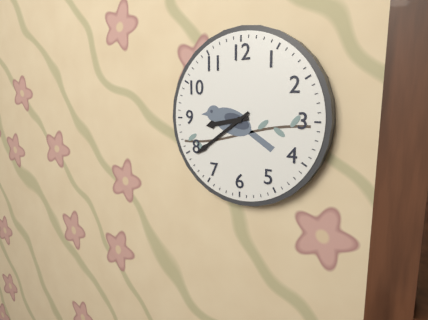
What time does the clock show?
8:39
